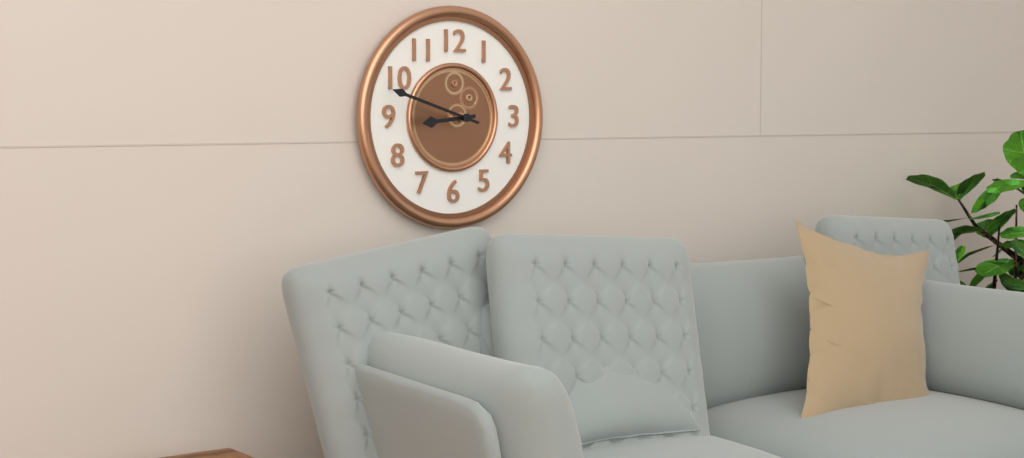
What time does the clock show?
8:48
